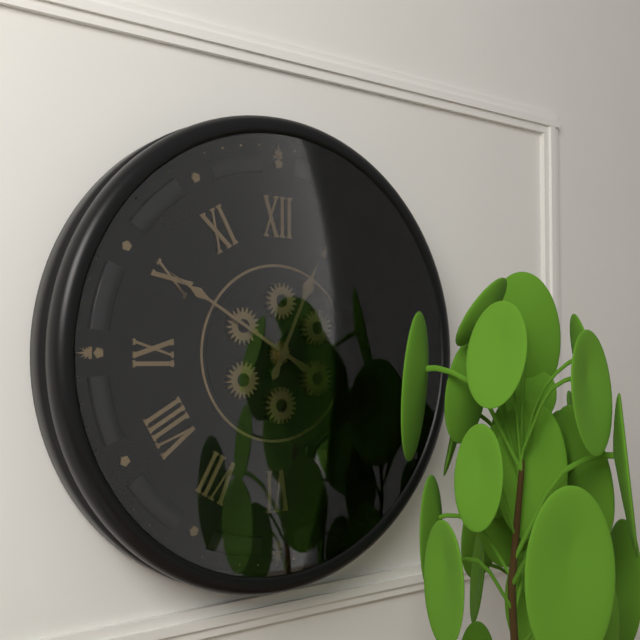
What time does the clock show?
12:50
